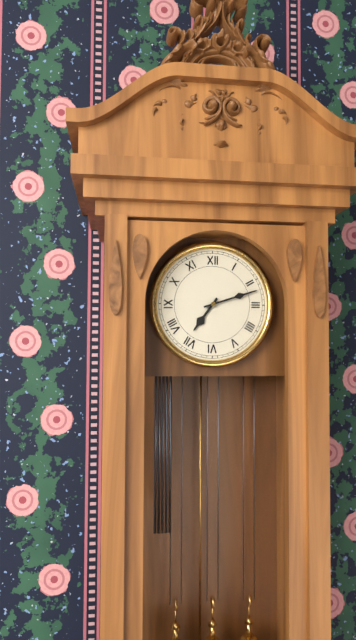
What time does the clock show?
7:12
